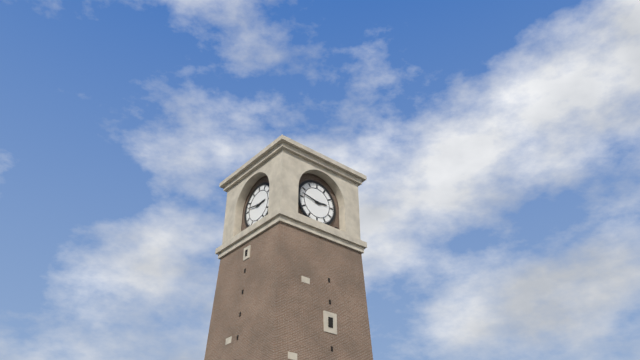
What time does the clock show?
2:47
